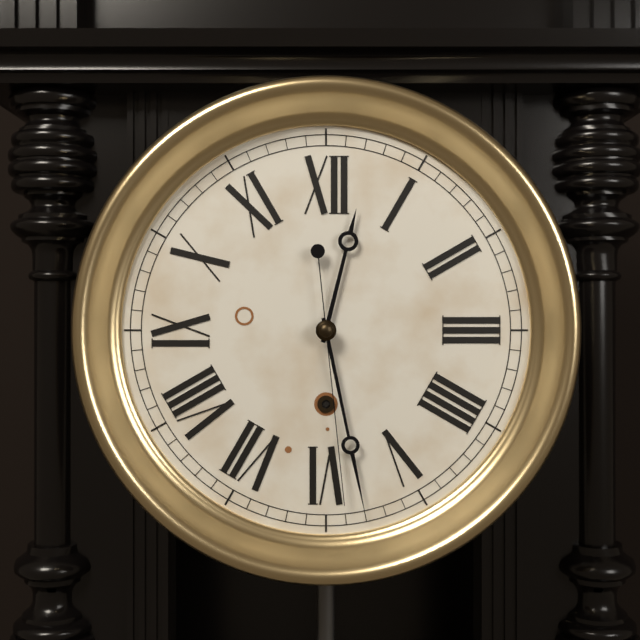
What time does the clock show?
12:28:29
